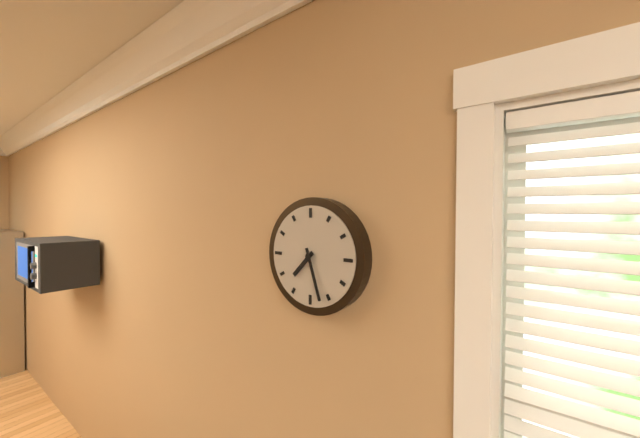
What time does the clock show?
7:27
